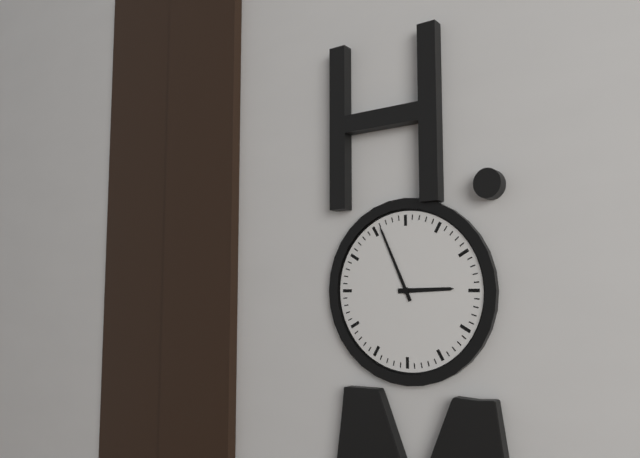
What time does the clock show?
2:56
